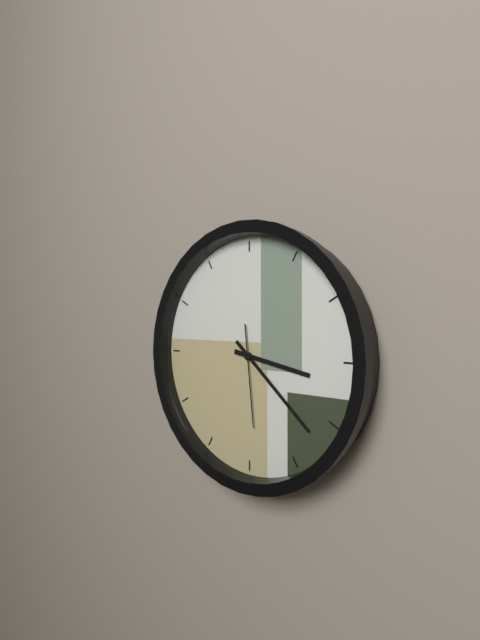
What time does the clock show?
3:22:29
